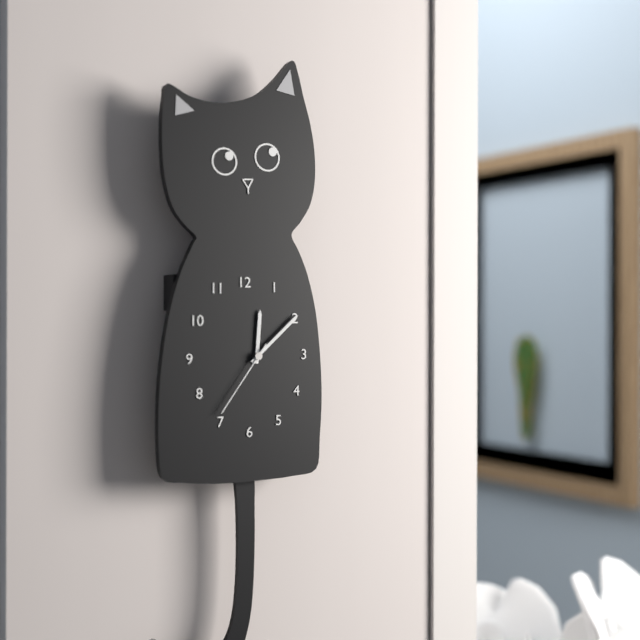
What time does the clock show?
12:08:36
